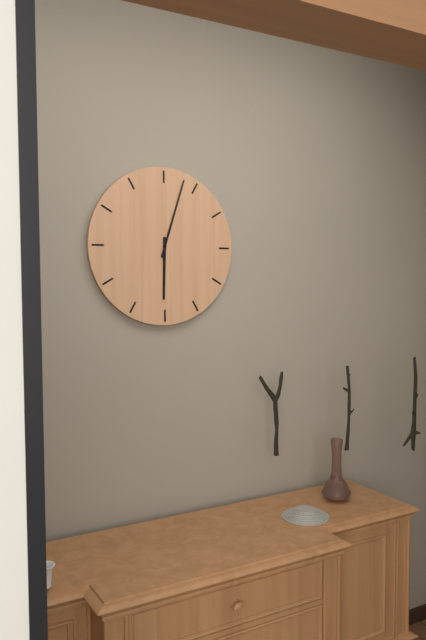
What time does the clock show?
6:03
